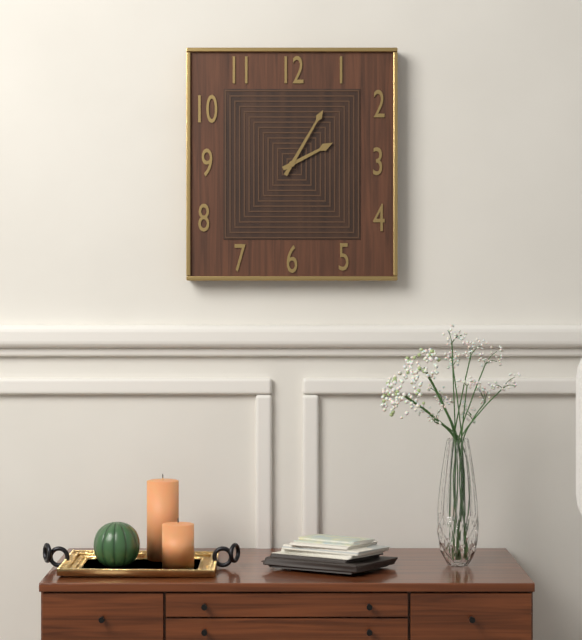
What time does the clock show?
2:05
